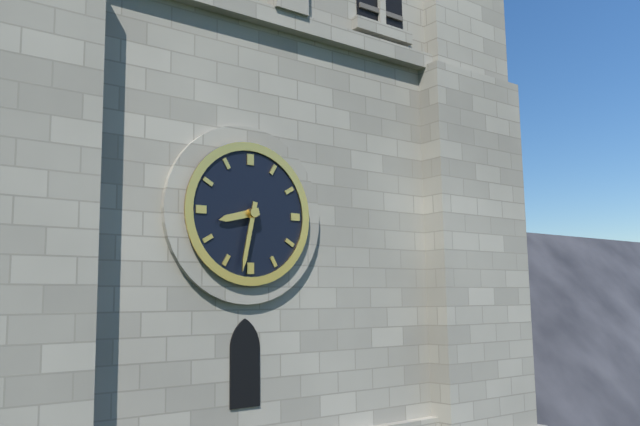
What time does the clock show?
8:32
